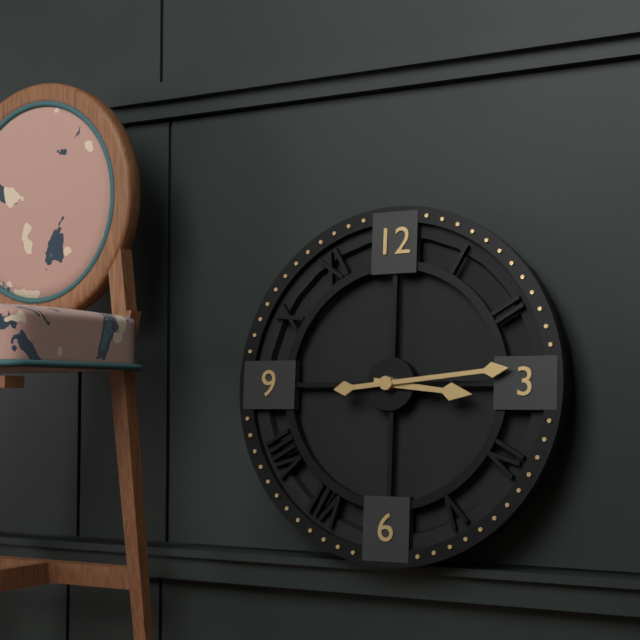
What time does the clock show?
3:14
